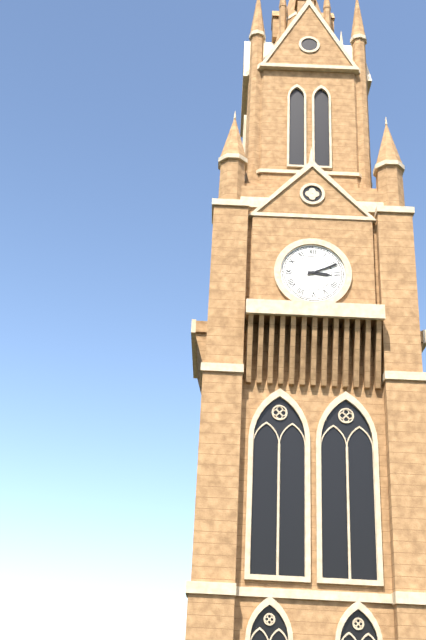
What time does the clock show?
3:11
